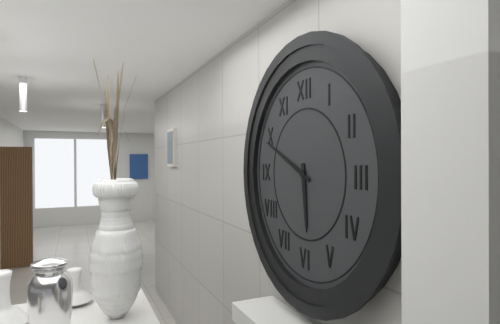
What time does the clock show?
5:49
